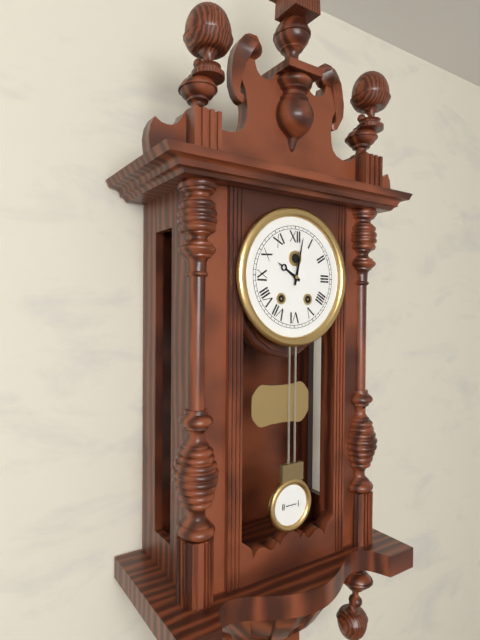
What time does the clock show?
10:02
